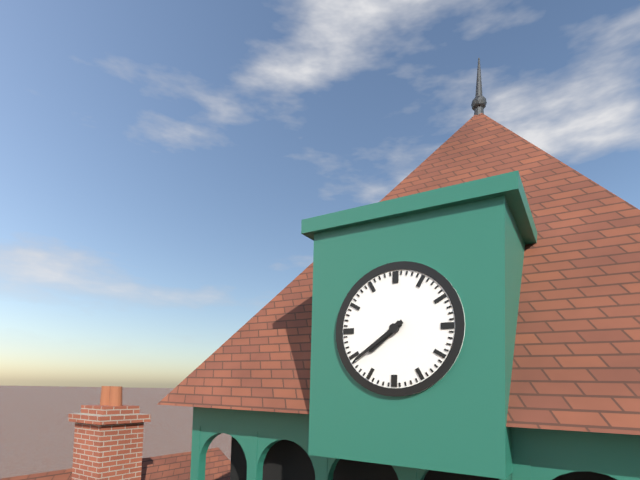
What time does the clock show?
7:39
